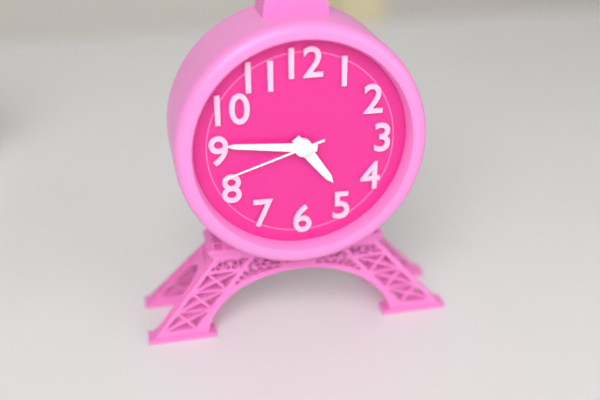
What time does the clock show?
4:46:42
